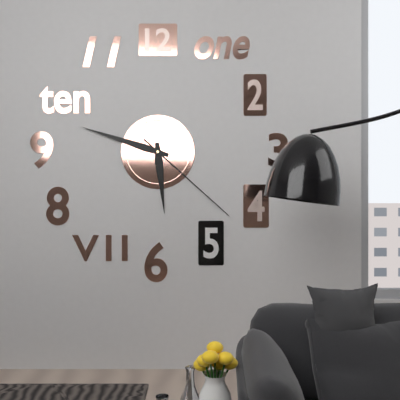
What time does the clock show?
5:48:22
